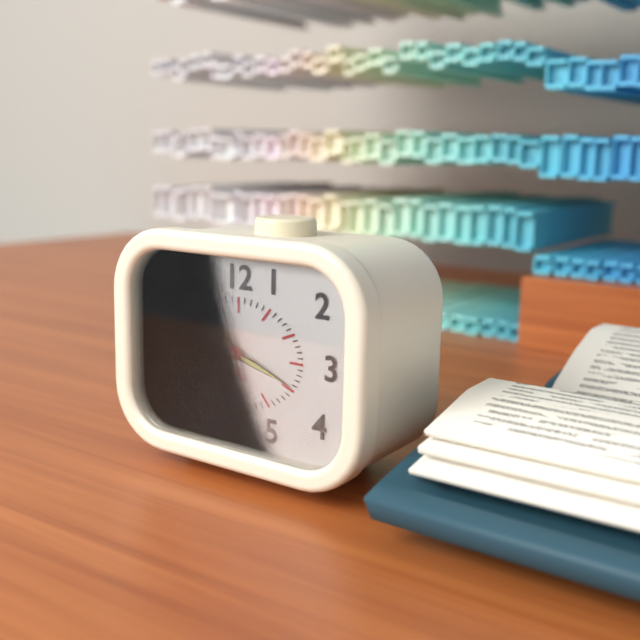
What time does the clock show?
10:18:57
